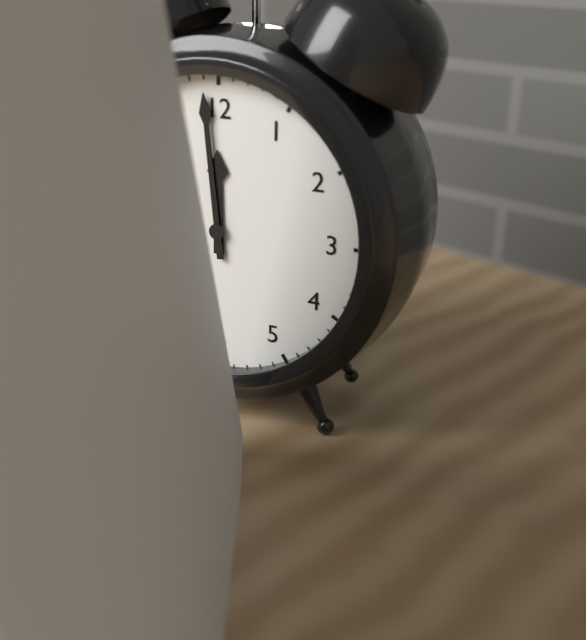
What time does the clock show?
11:59
